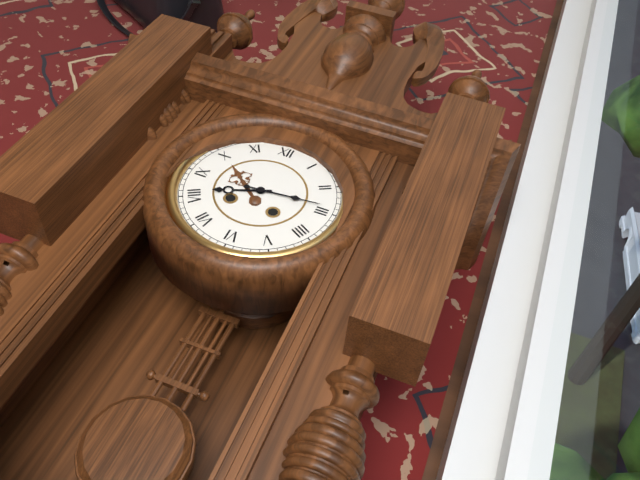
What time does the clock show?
8:14
